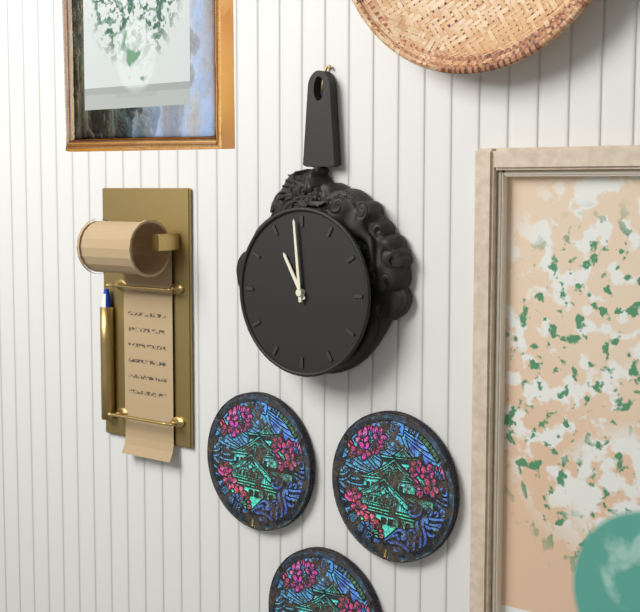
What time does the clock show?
10:59
